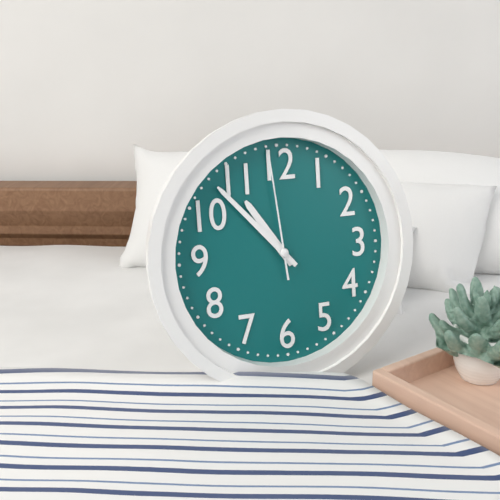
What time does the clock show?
10:53:59
